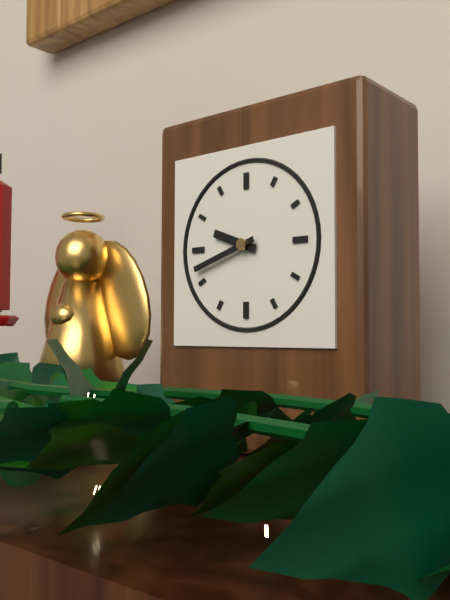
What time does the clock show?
9:42
